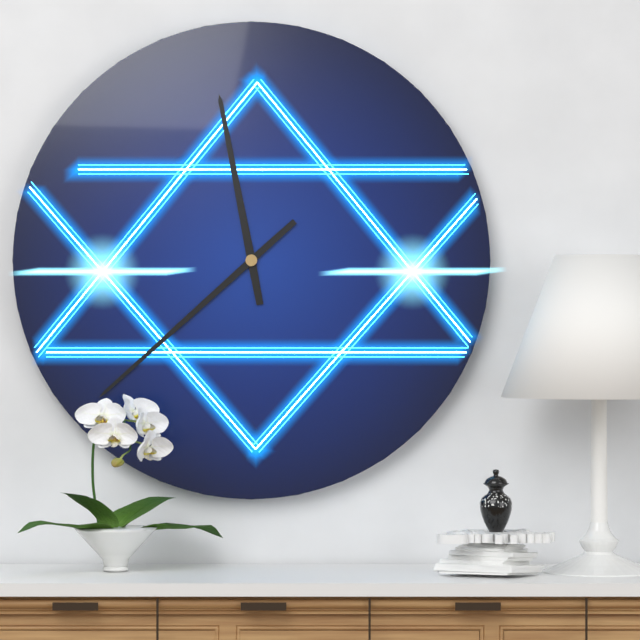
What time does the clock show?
11:38
